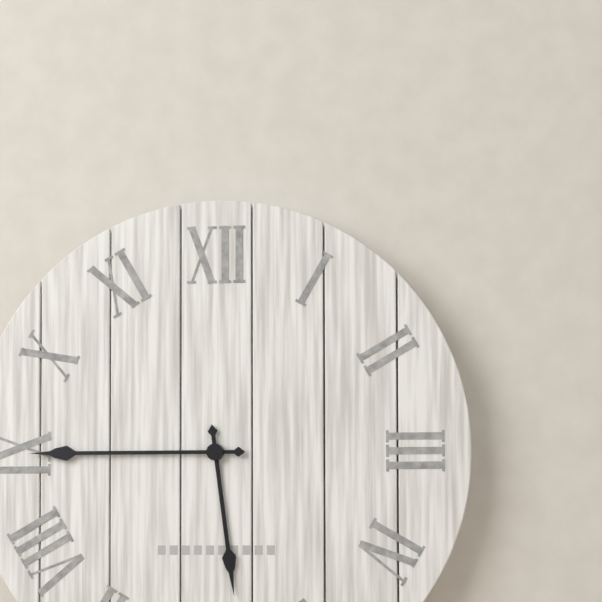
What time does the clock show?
5:45
